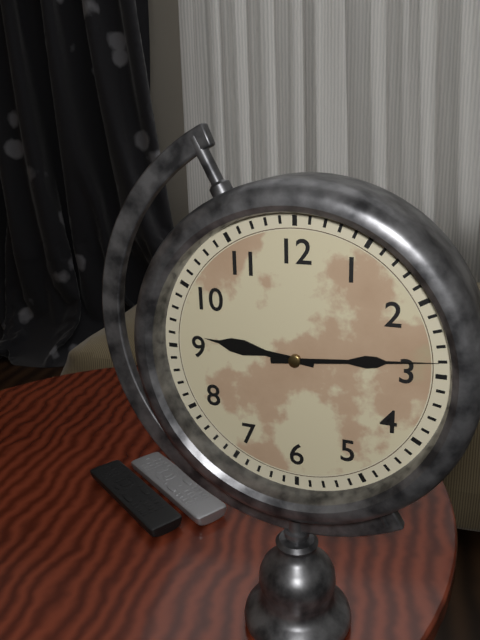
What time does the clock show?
9:14
